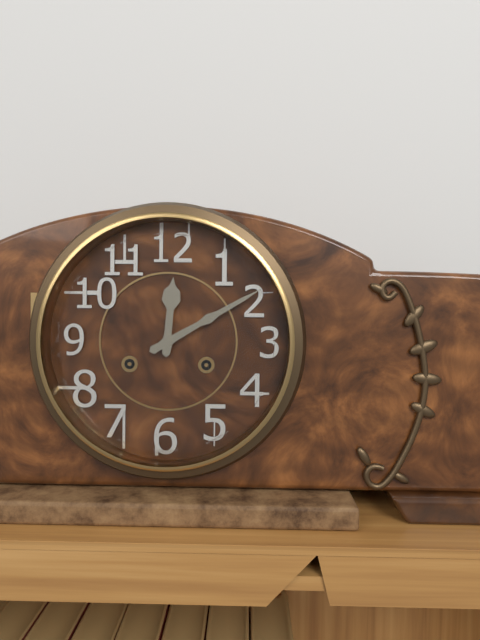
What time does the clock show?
12:10
